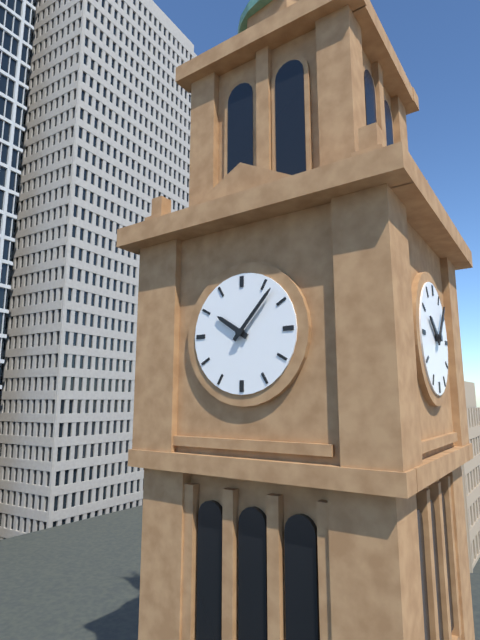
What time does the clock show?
10:07
